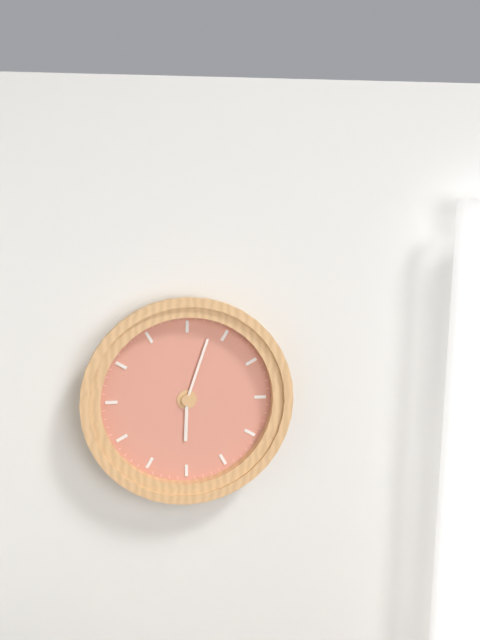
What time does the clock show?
6:03
